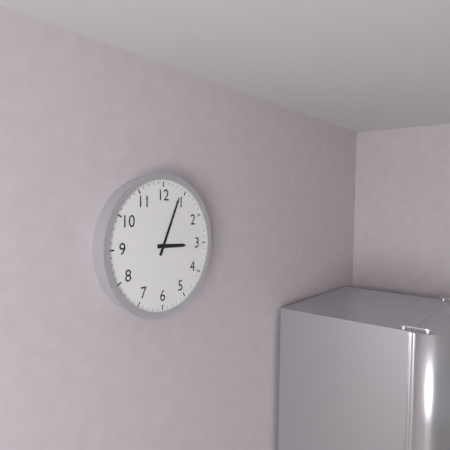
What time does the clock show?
3:04
